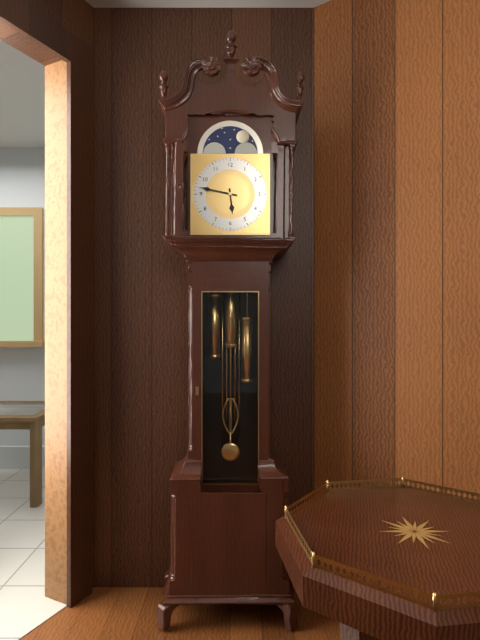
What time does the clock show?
5:47
